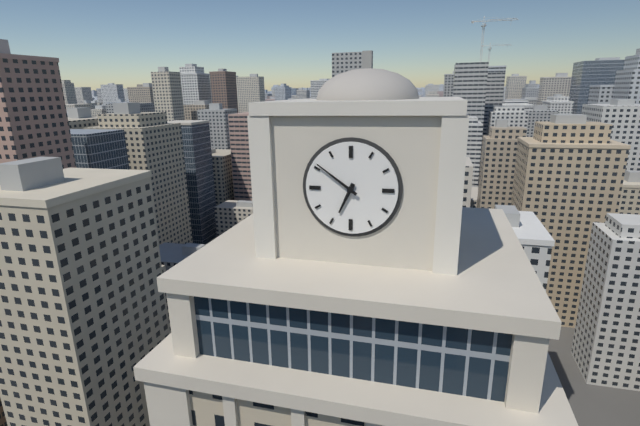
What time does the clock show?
6:51
